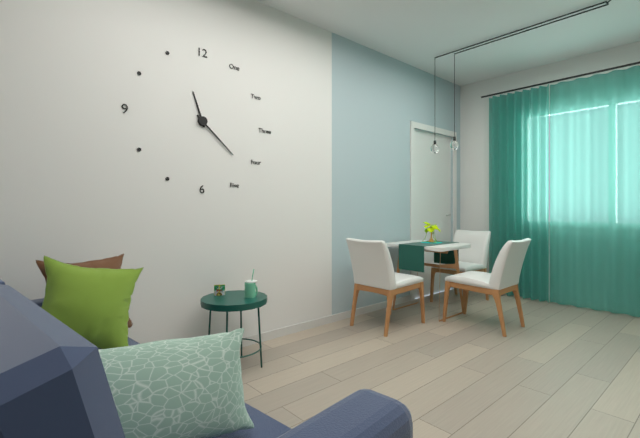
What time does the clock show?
11:22
